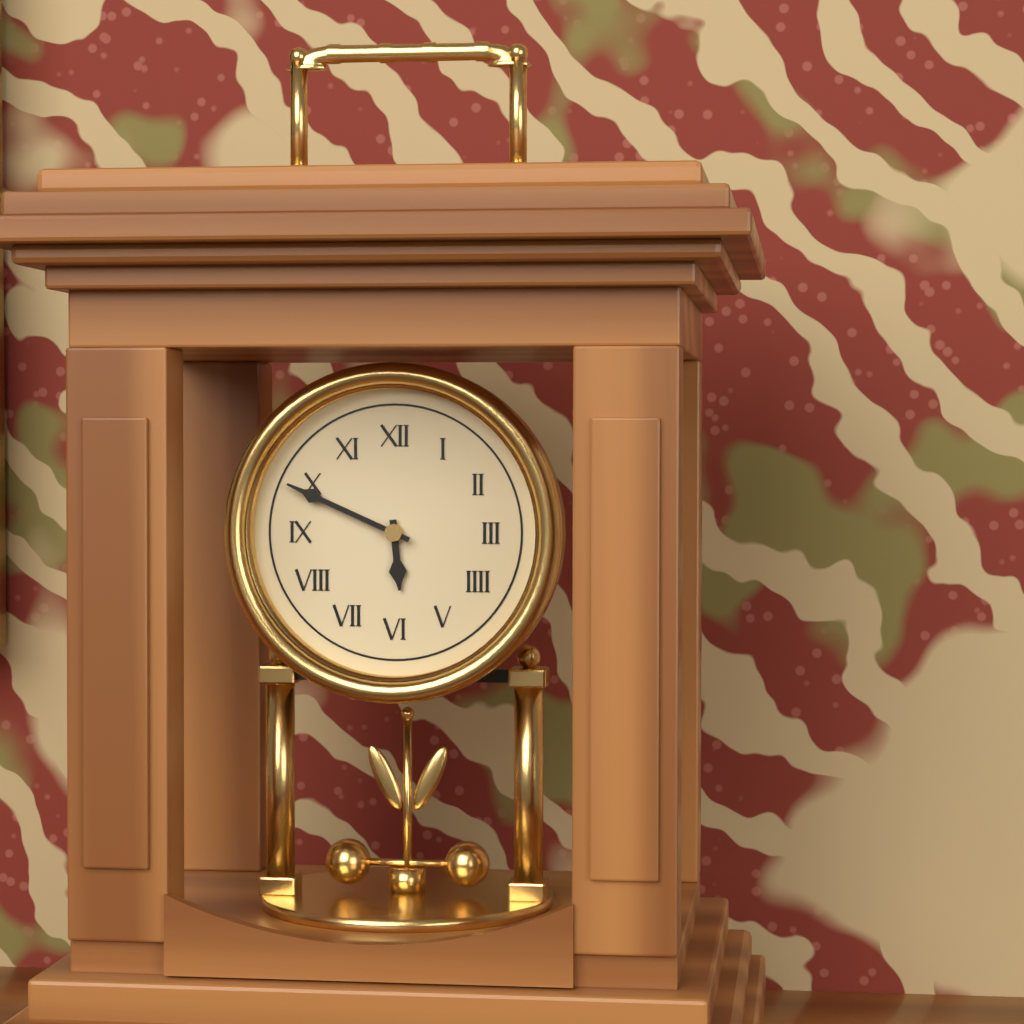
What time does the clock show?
5:49
